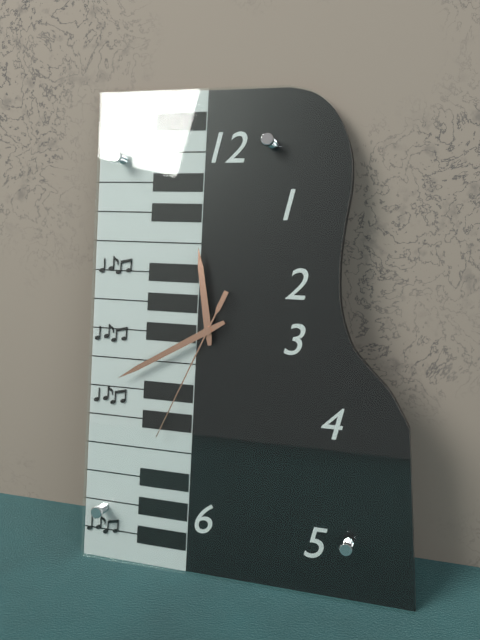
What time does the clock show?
11:40:34
